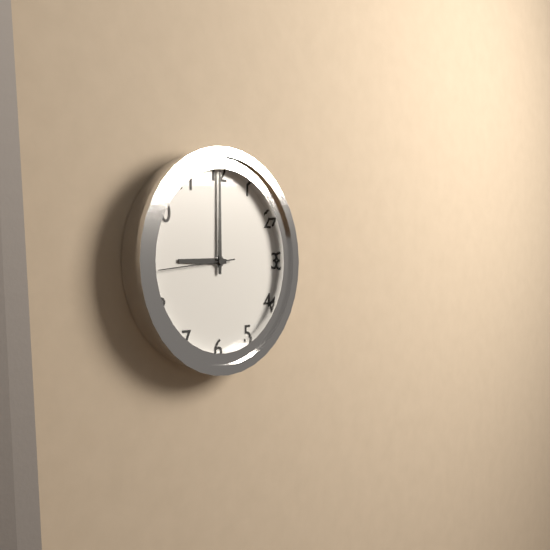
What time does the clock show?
9:00:44
